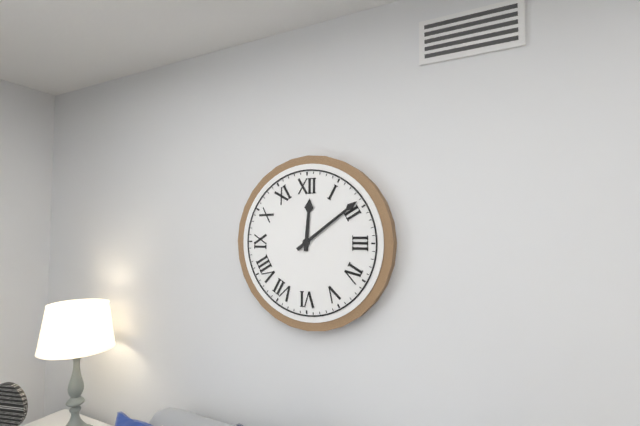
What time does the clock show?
12:09
